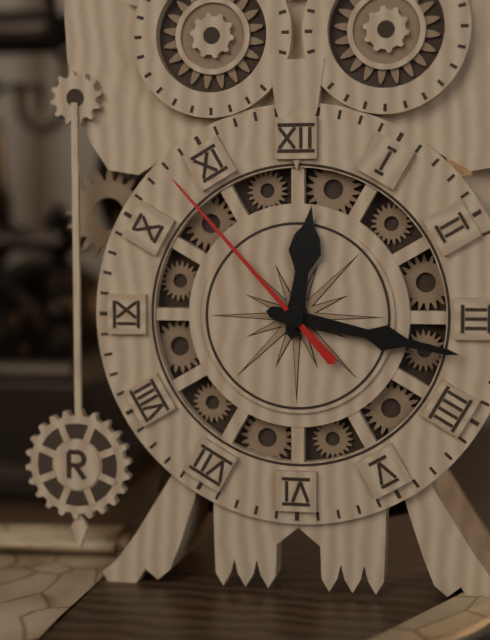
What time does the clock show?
12:17:53
